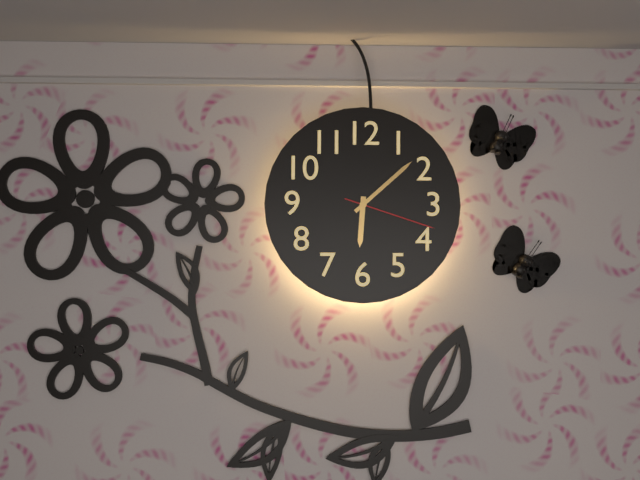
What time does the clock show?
6:08:18
